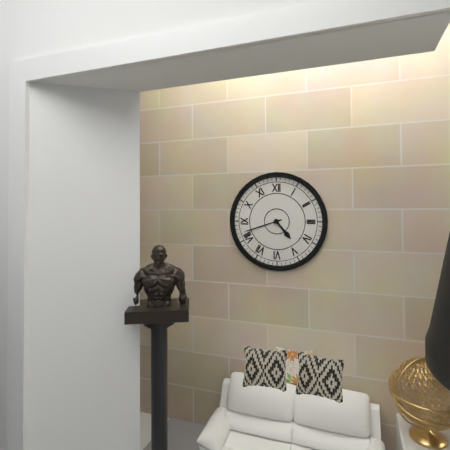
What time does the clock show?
4:42
